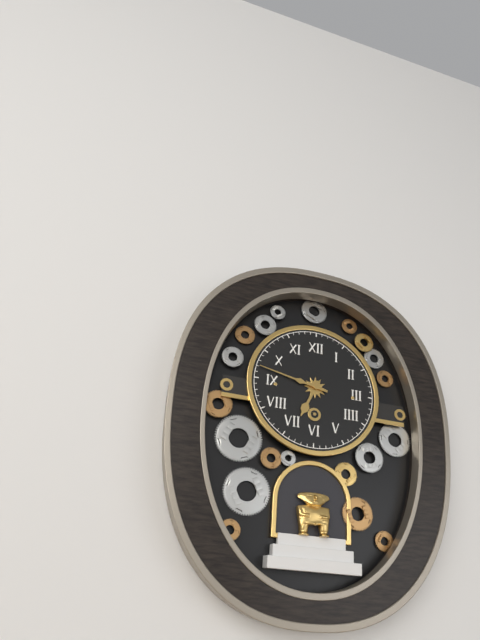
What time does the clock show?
6:47
